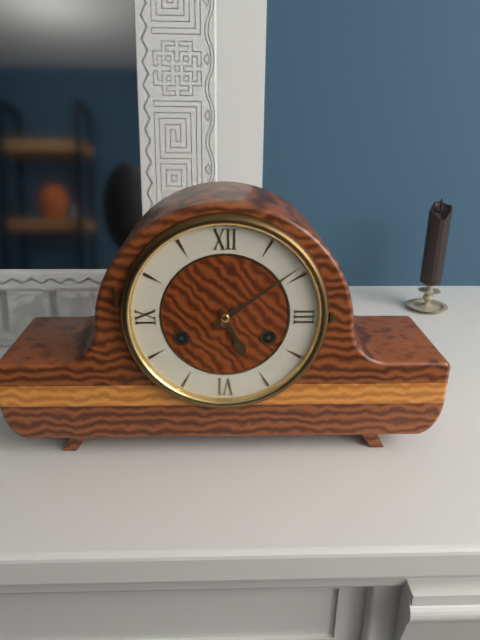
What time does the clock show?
5:09
